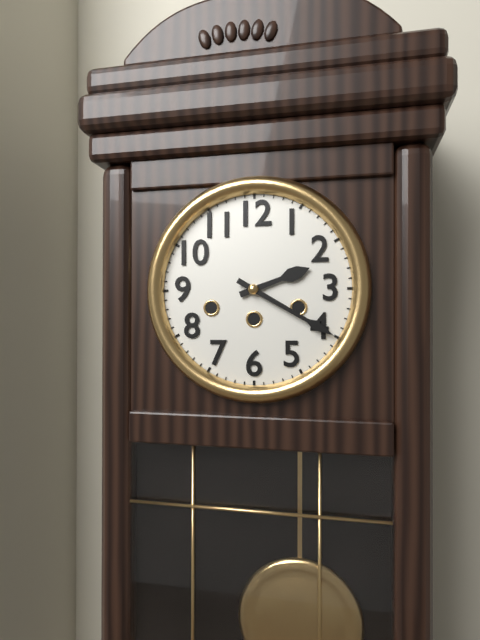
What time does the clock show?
2:20
